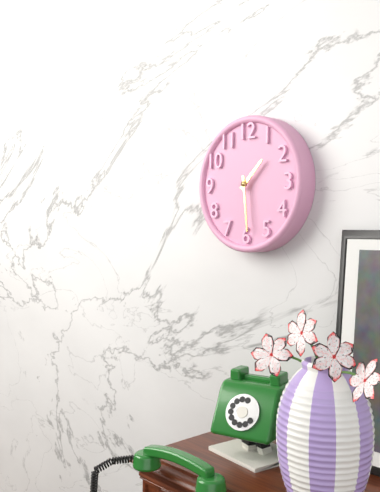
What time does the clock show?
1:29
